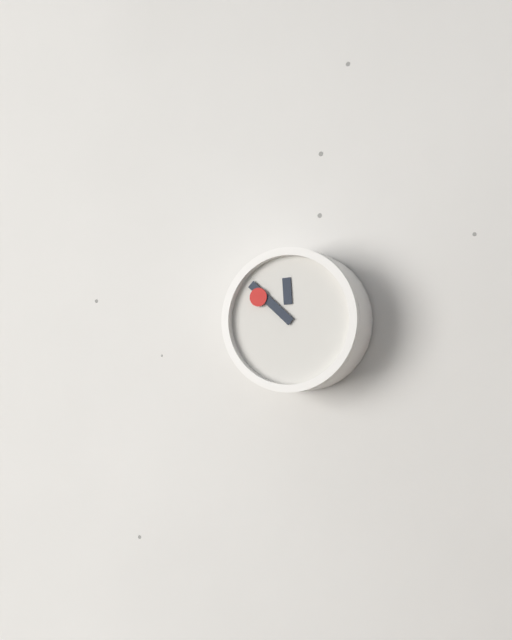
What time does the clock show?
11:52:51
